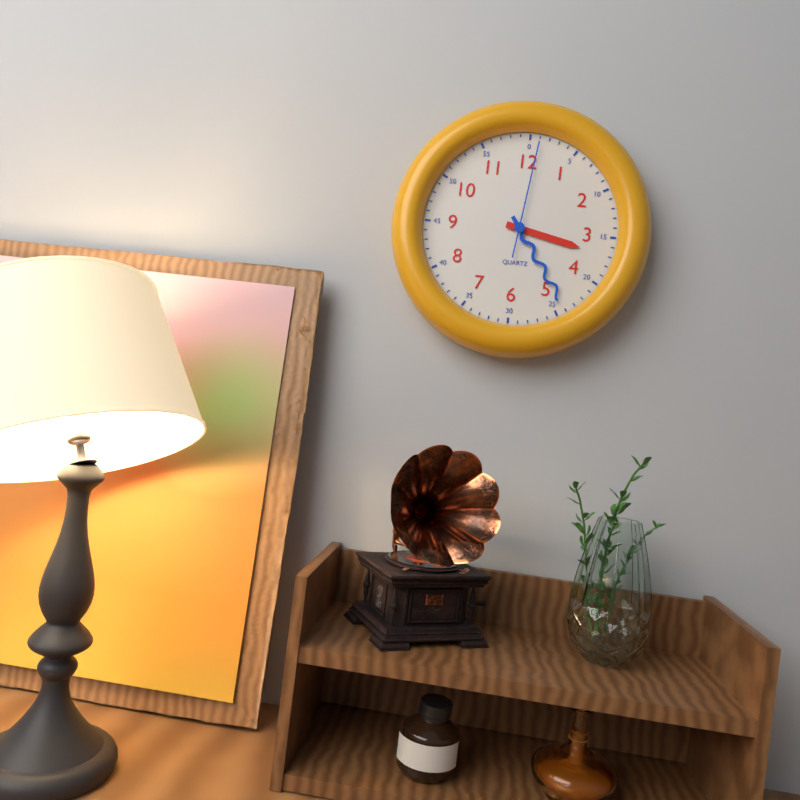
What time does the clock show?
3:24:01
